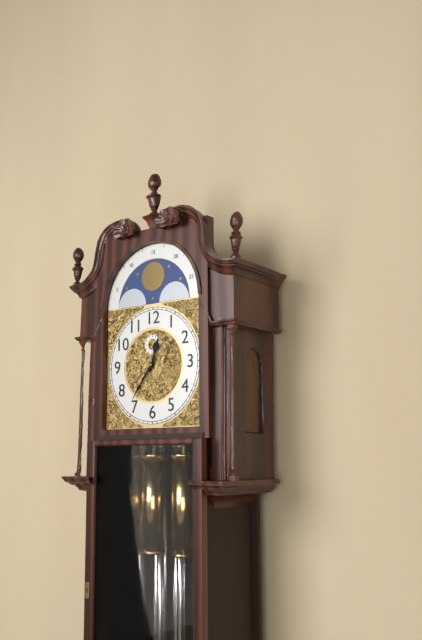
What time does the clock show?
12:36
